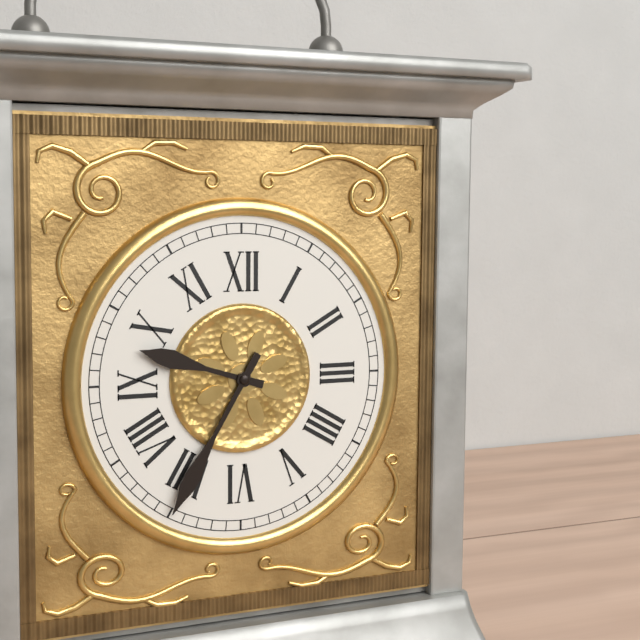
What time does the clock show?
9:35
